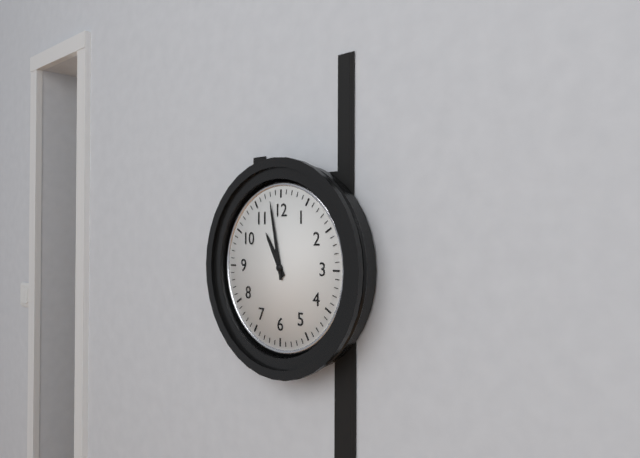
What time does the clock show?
10:58
